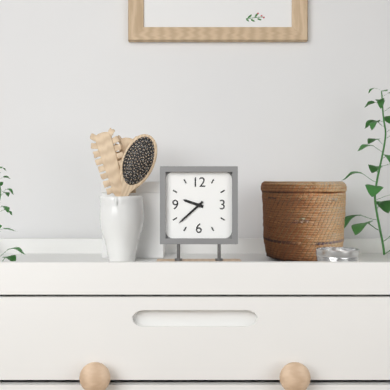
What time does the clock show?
9:38
